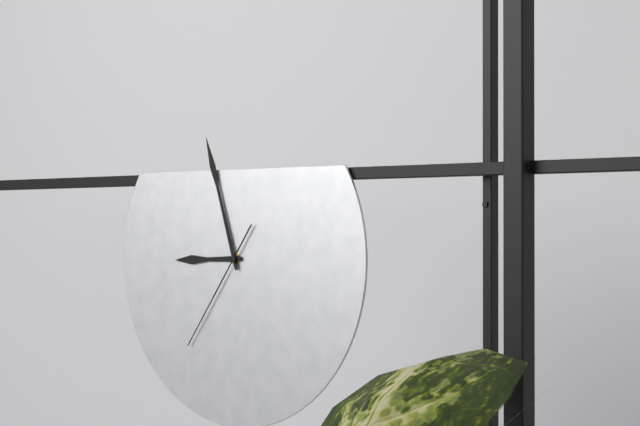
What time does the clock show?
8:57:36
